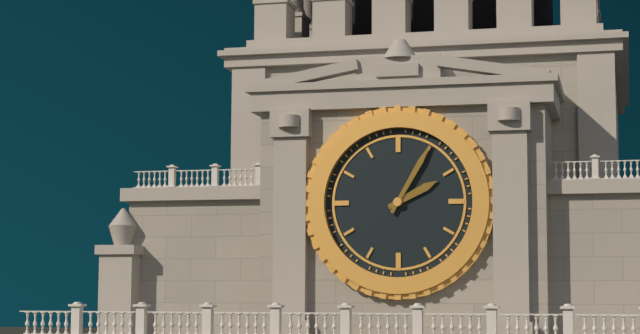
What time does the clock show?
2:05
